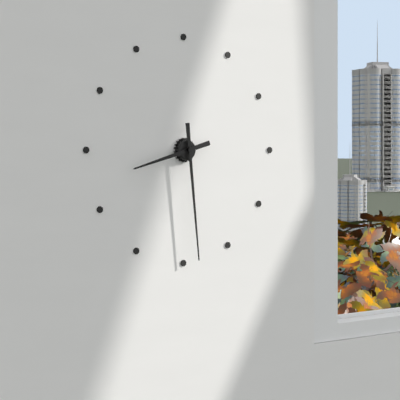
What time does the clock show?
8:29
